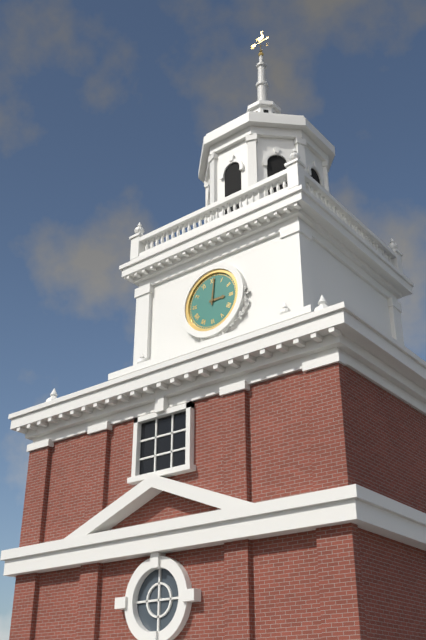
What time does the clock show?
3:01
